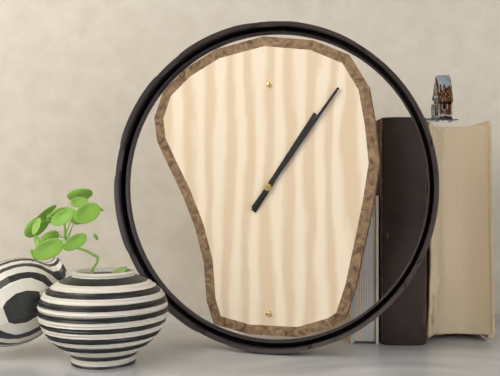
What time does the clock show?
1:06
